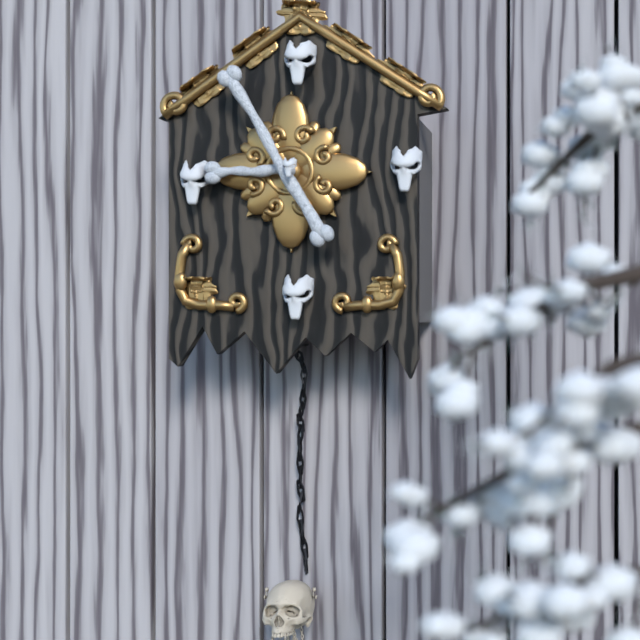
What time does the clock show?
8:55
